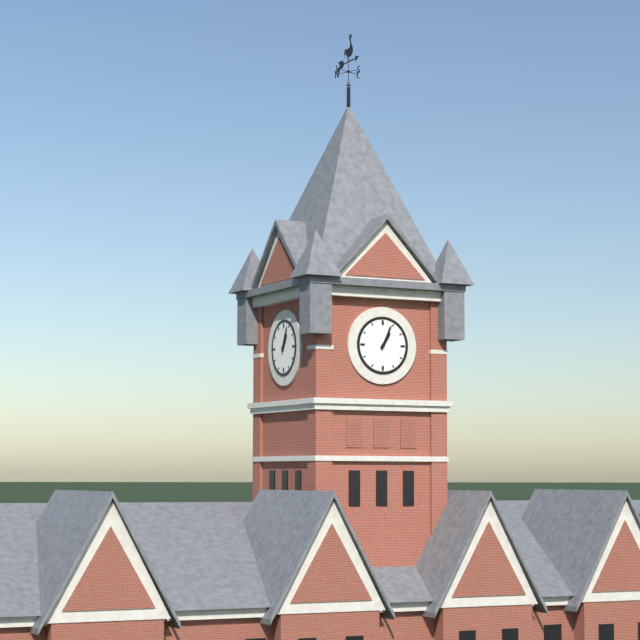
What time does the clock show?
1:04
